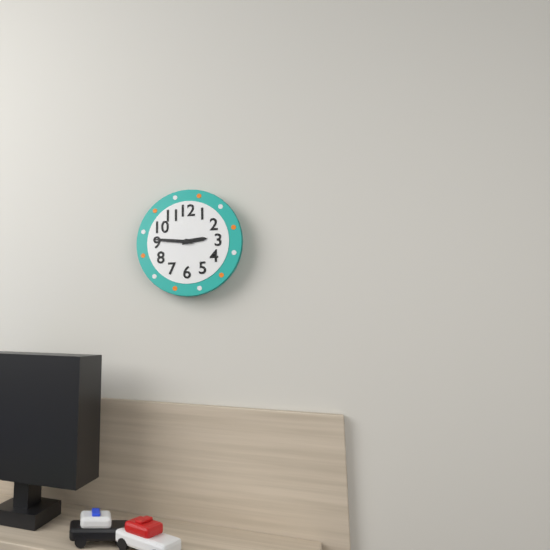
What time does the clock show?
2:46
